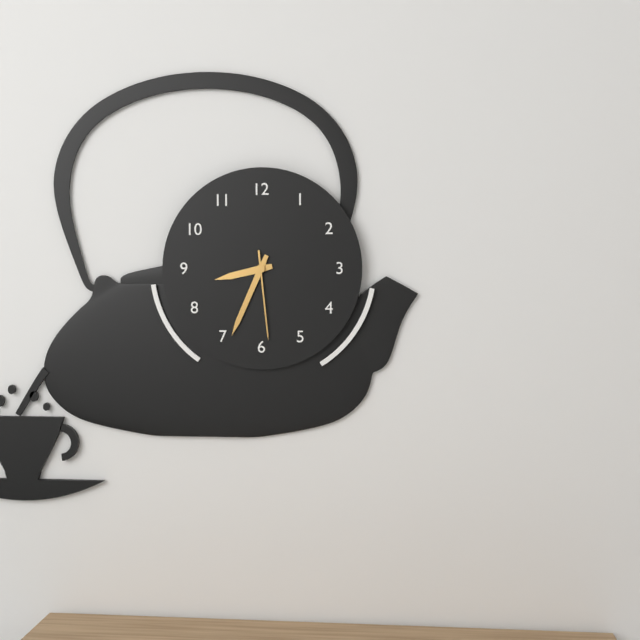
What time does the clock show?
8:34:29
